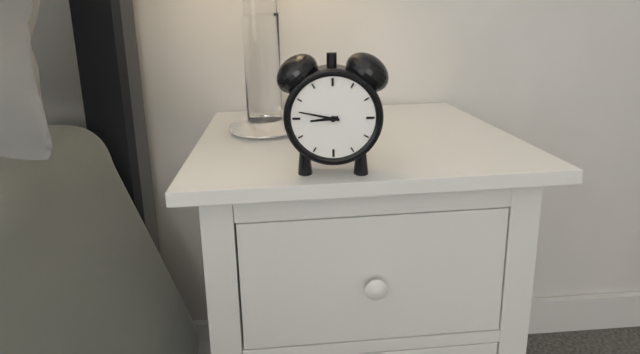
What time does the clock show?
8:47
